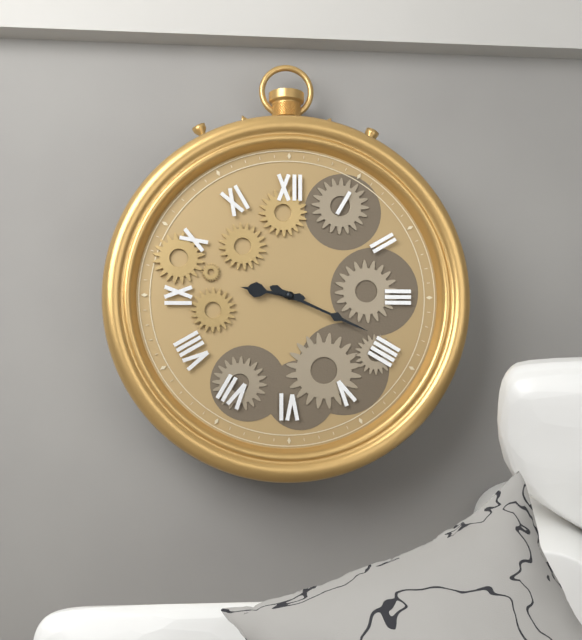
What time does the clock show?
9:19
